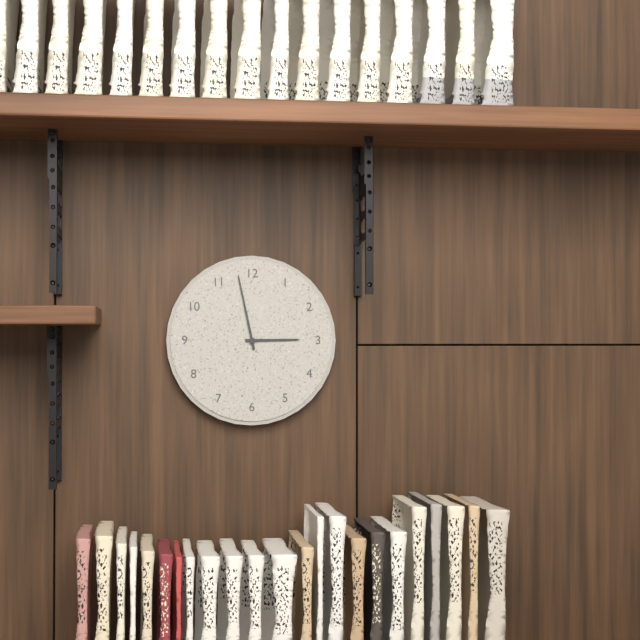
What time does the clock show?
2:58
